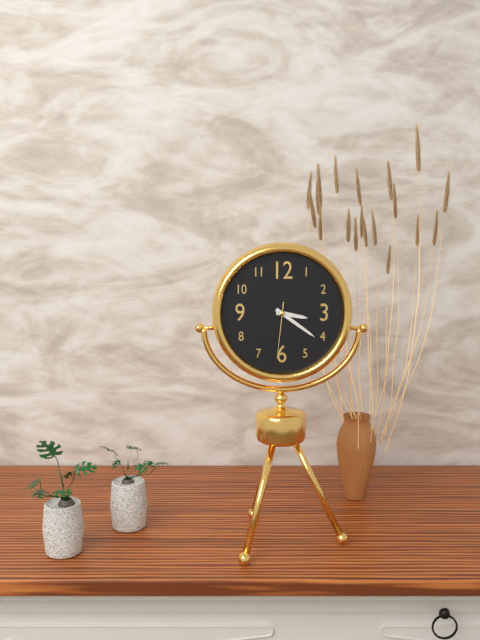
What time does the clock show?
3:21:31
